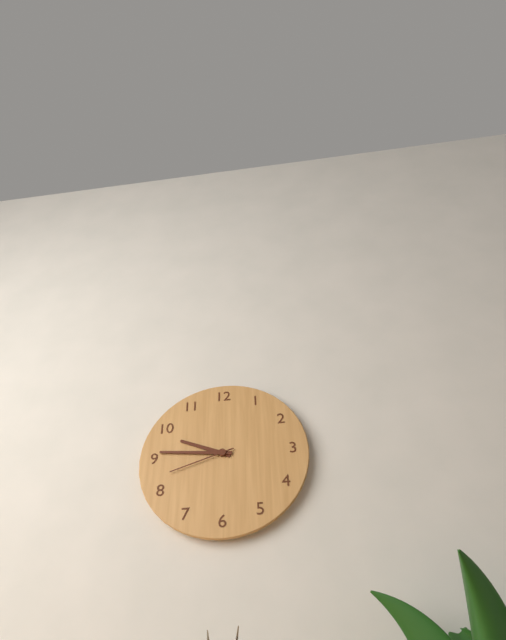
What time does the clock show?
9:46:42
